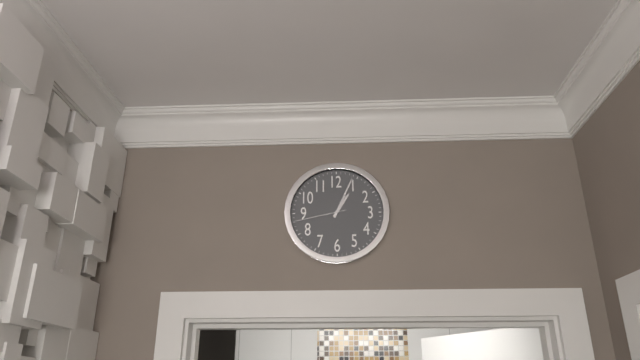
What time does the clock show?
1:04:43
